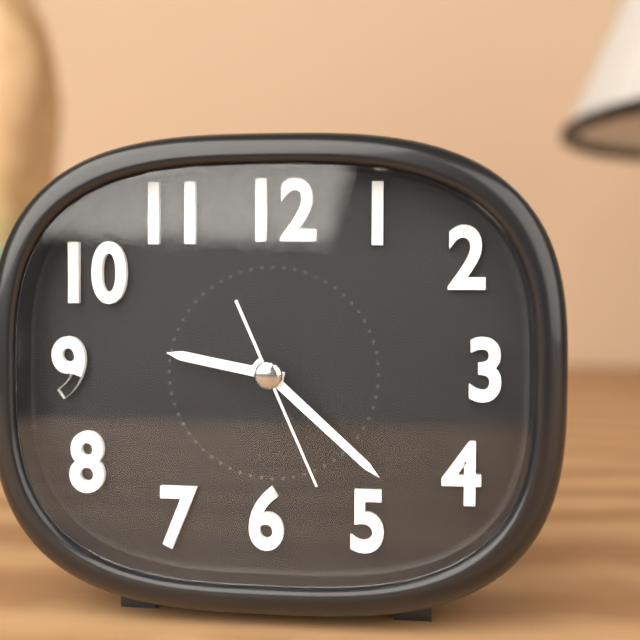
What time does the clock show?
9:22:26
